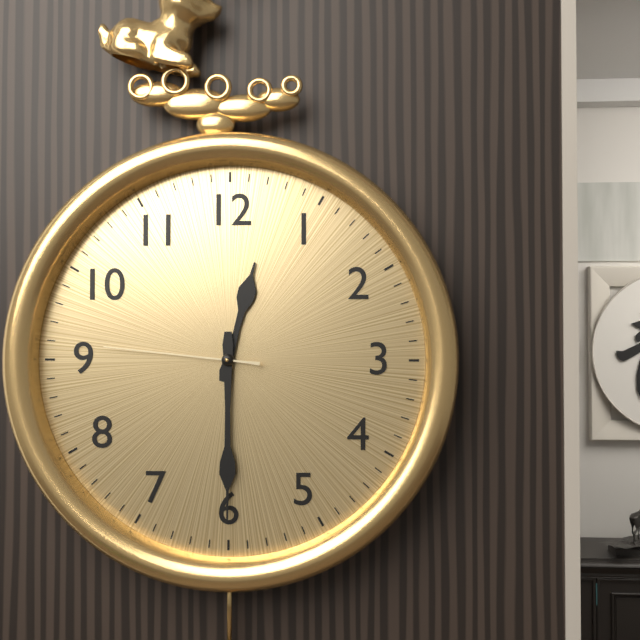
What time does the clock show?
12:30:46
